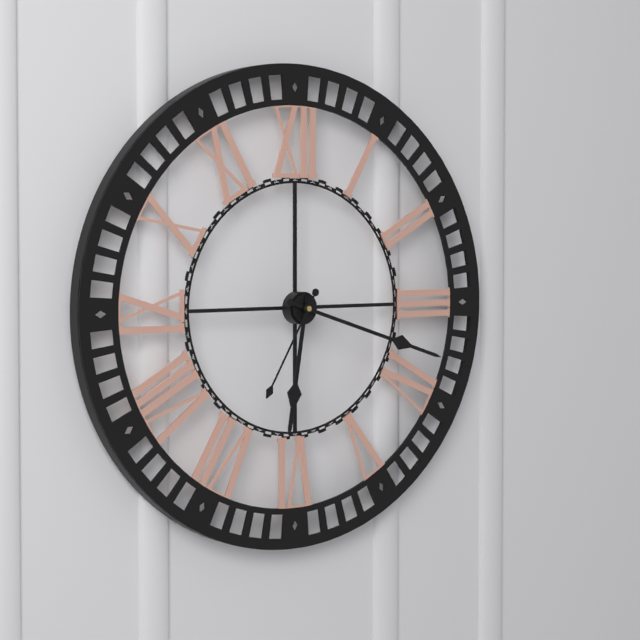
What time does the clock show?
6:18:35
